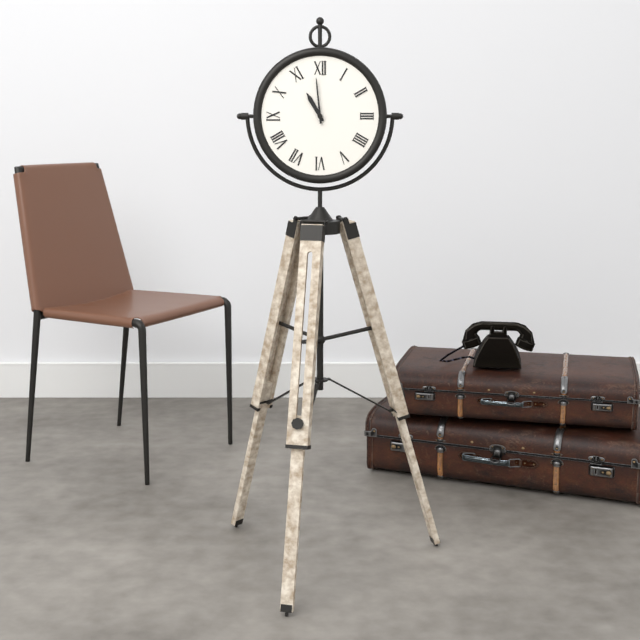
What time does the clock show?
10:59
